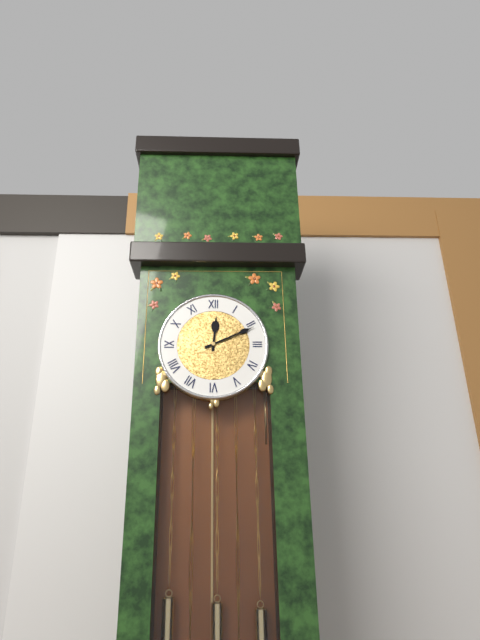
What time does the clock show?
12:11
